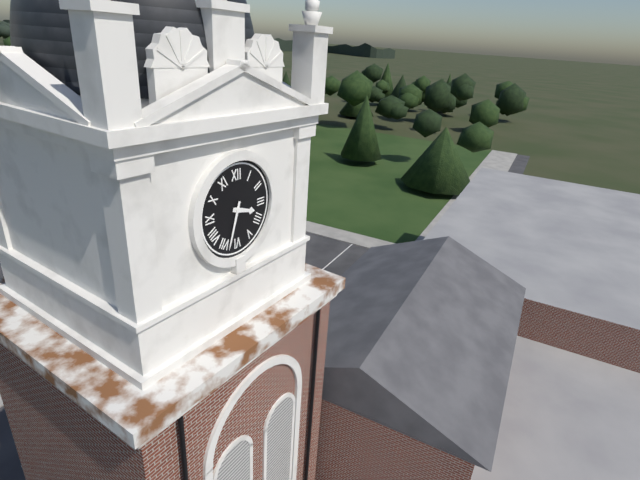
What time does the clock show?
3:33
